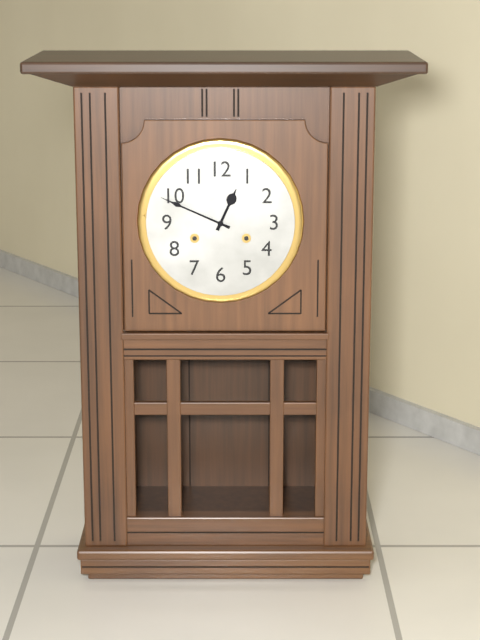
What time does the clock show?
12:49
